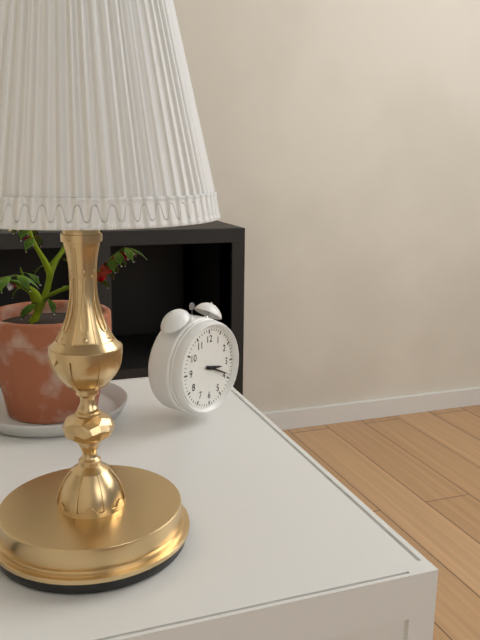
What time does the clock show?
3:19
